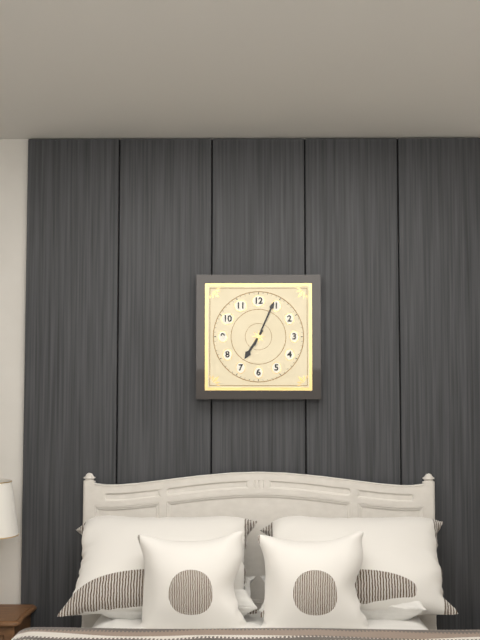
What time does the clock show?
7:04
